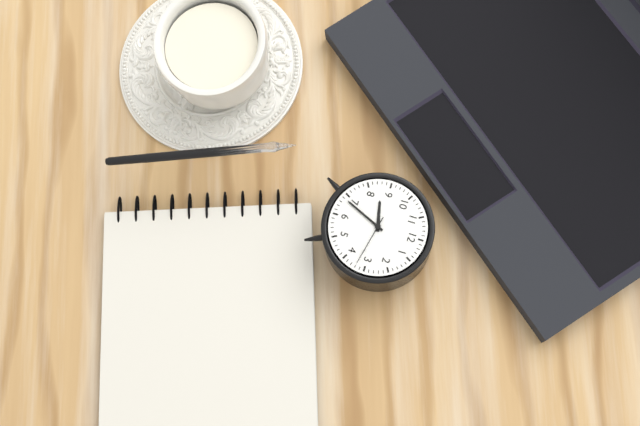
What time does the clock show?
8:34:17
